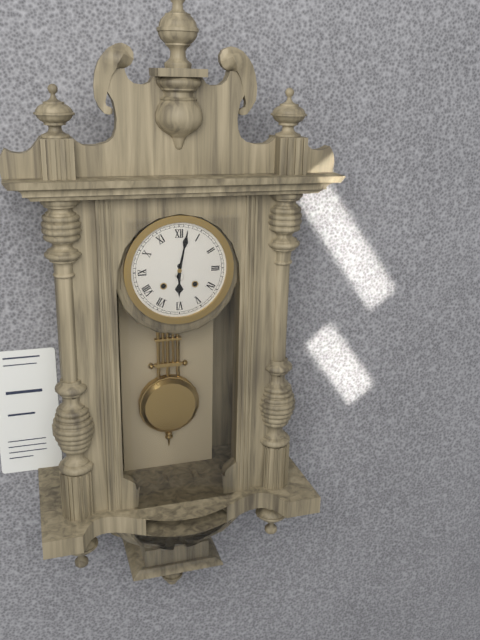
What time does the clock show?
6:02
